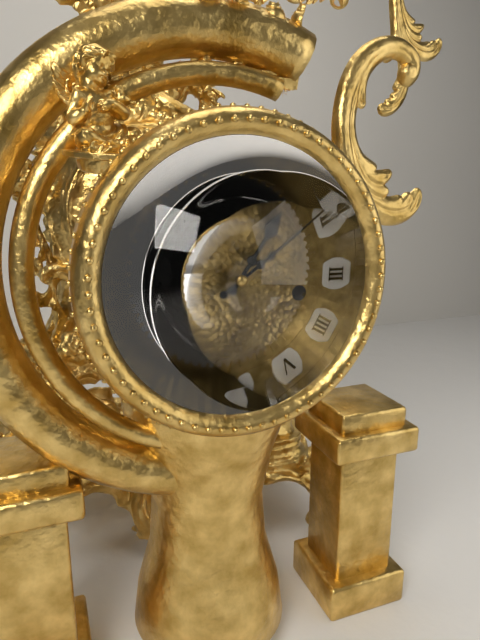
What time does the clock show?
1:09
